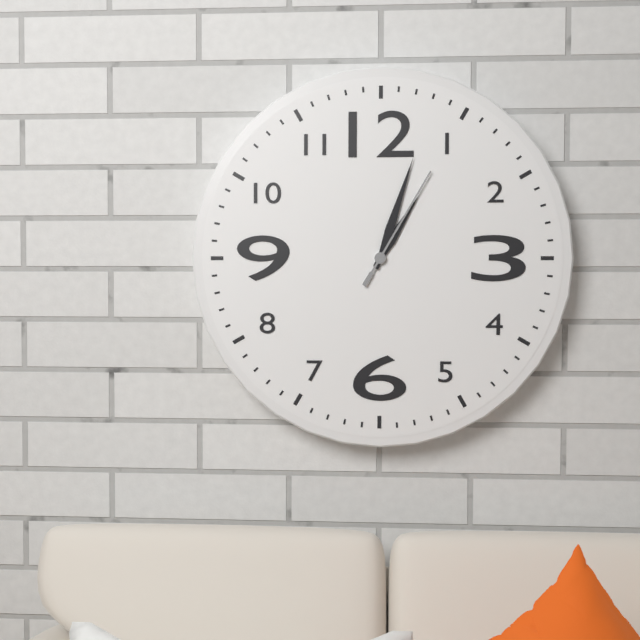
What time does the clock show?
1:03:05
